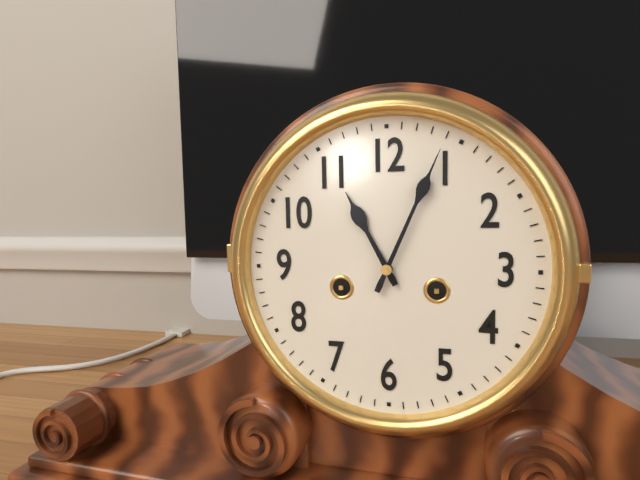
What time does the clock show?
11:04
